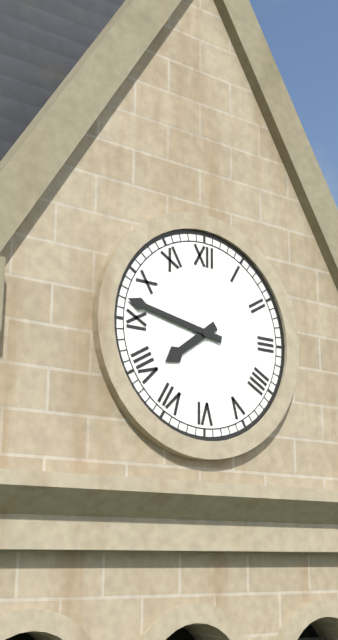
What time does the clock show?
7:47
